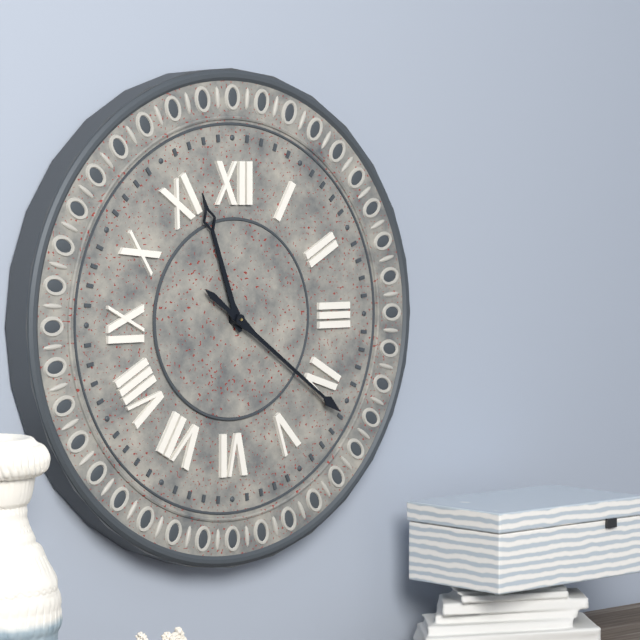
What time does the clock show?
11:21
